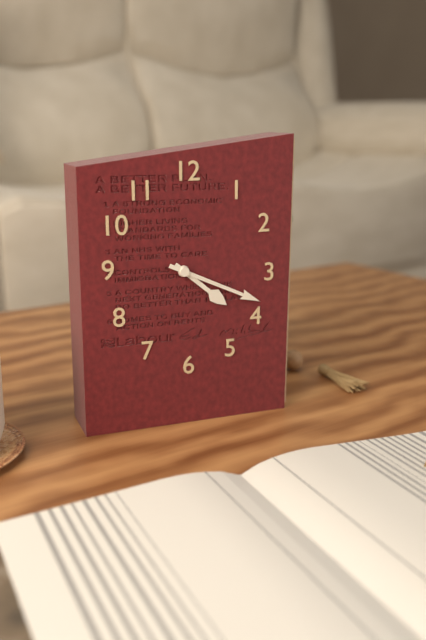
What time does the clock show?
4:19
